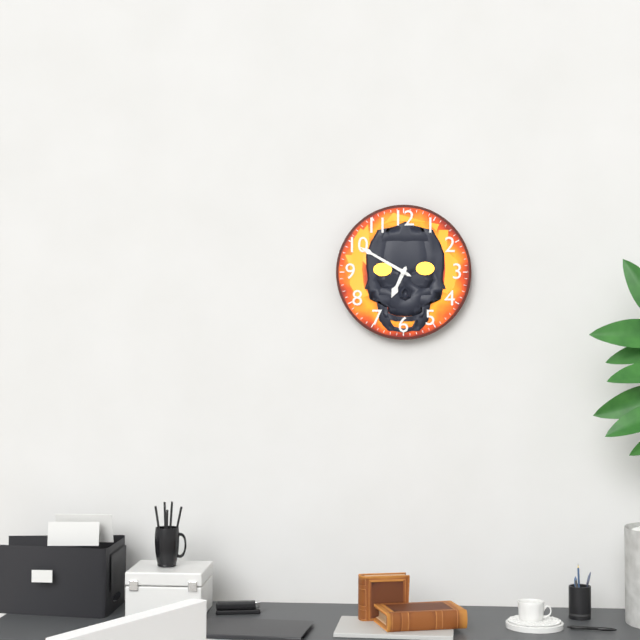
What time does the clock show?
6:50
